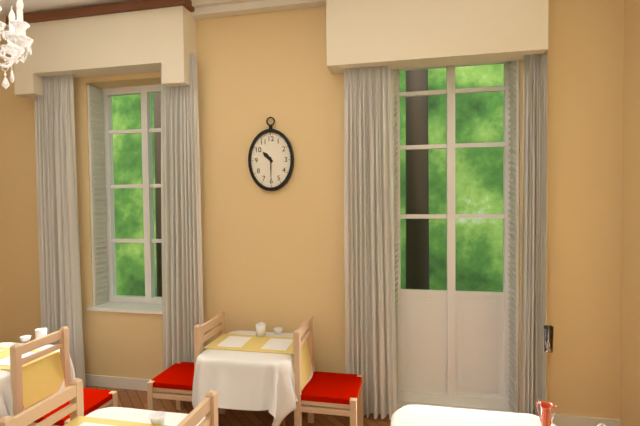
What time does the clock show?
10:30
